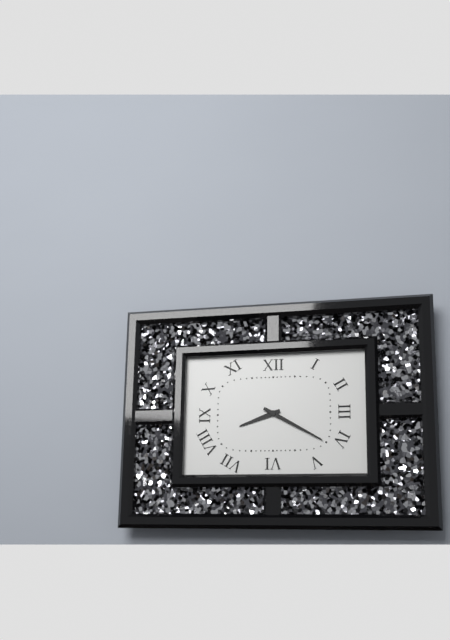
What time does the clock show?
8:20
